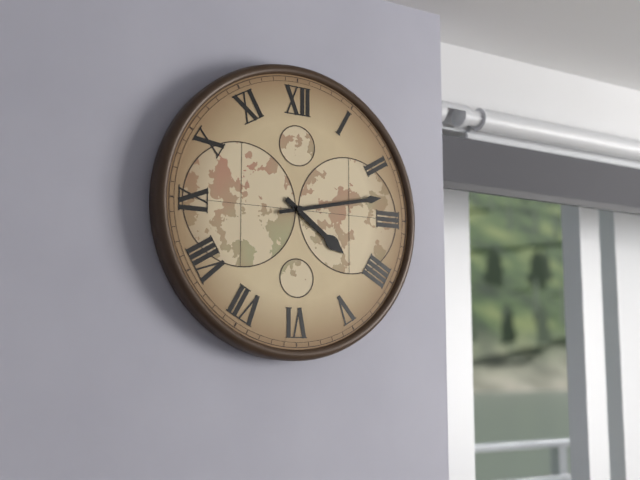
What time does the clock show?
4:13
